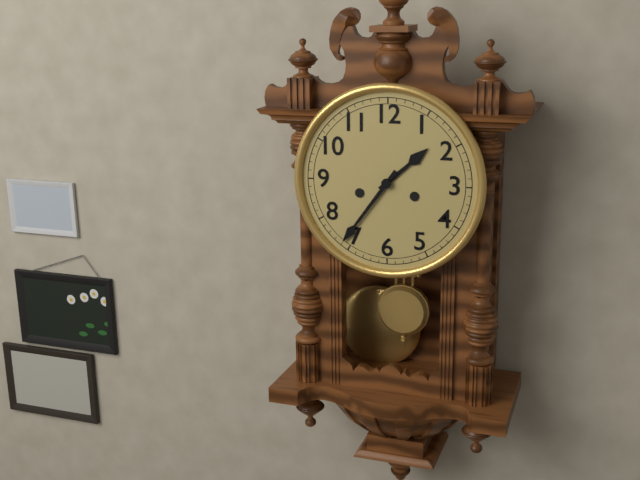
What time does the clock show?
1:36
